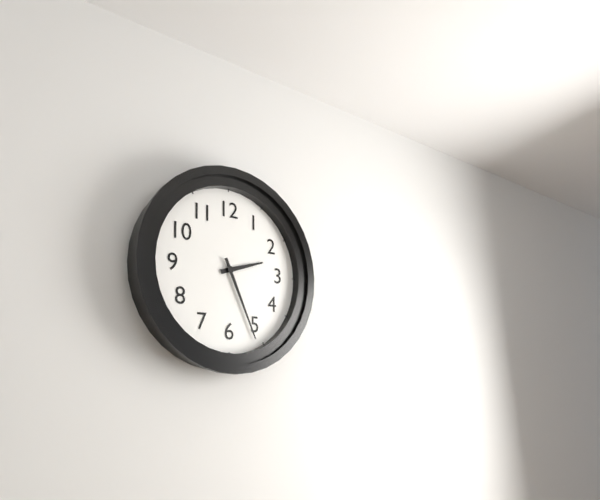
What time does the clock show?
2:26
